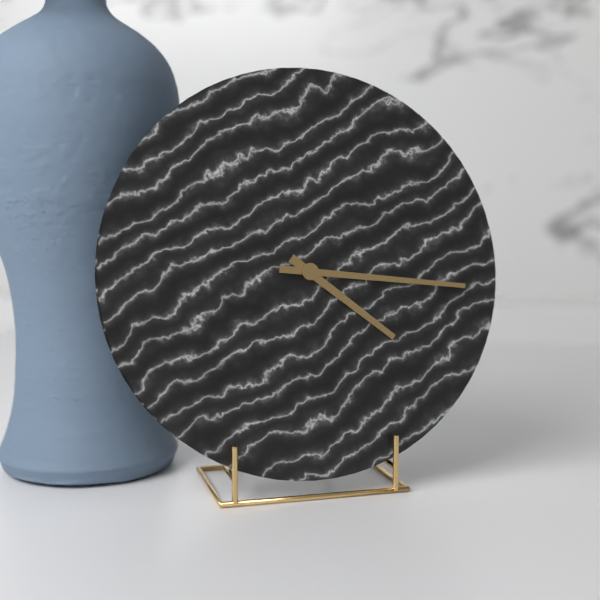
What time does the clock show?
4:16
